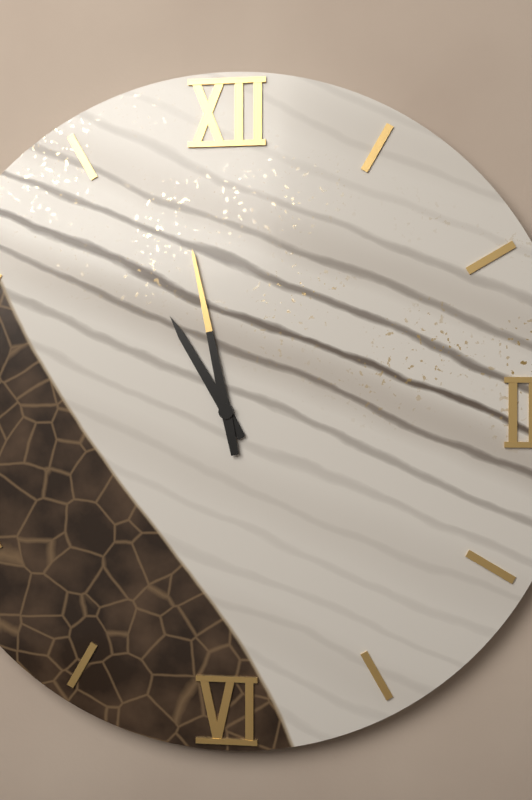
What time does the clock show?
10:58
